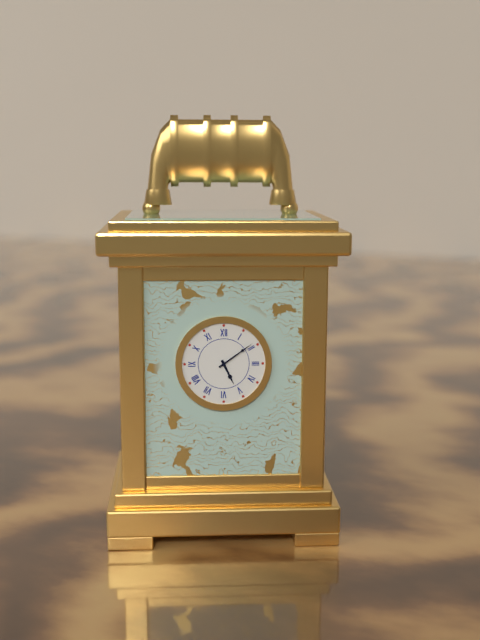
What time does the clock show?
5:09
